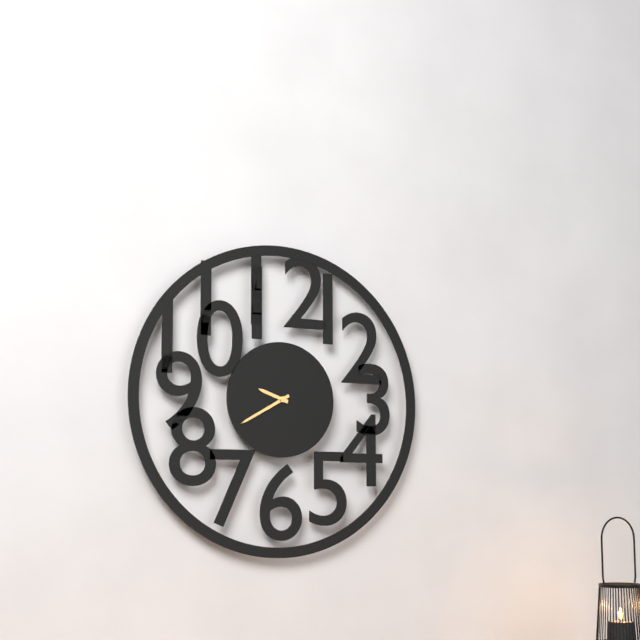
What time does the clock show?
9:40
